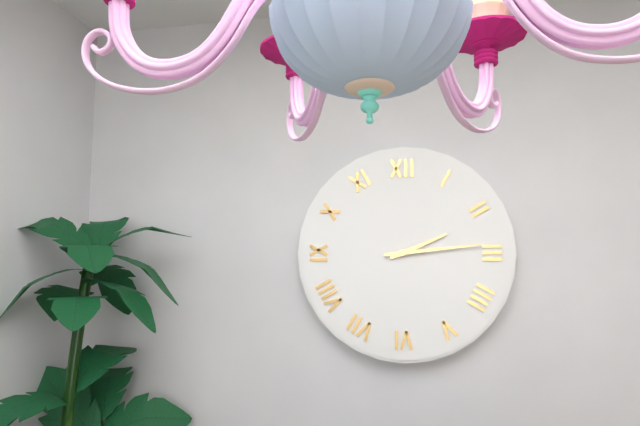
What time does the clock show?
2:14
